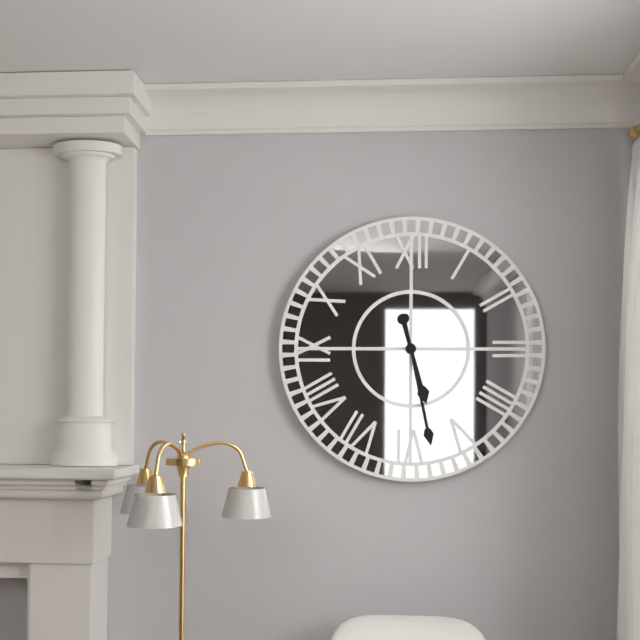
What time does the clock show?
5:28
